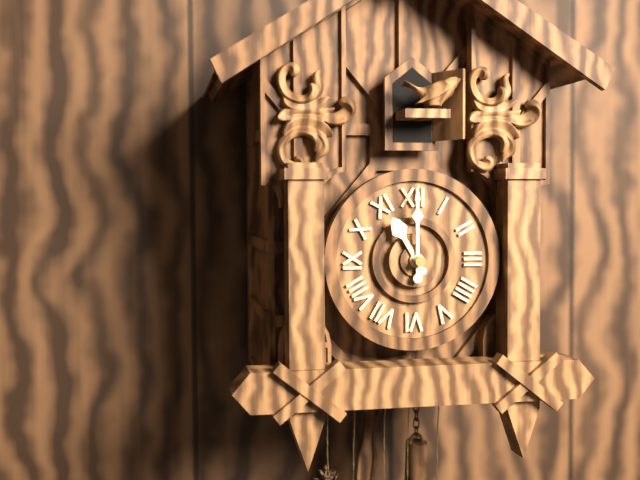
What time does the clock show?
11:00
